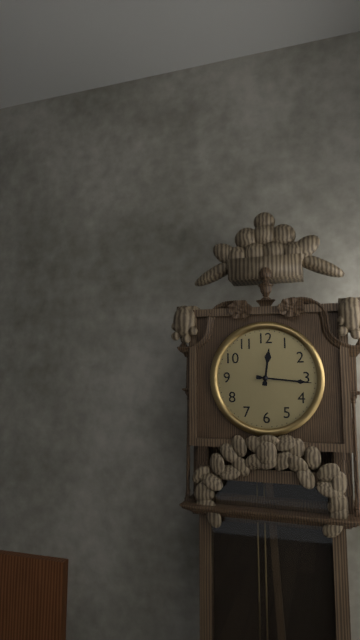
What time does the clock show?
12:16
